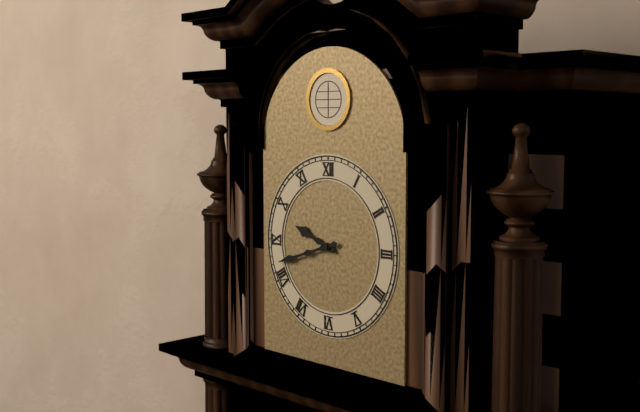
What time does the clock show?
9:42
